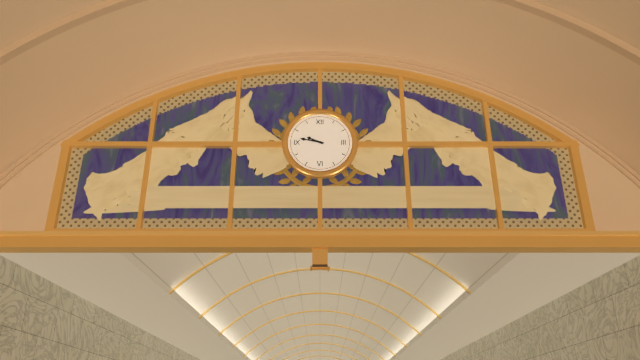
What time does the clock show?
9:47
